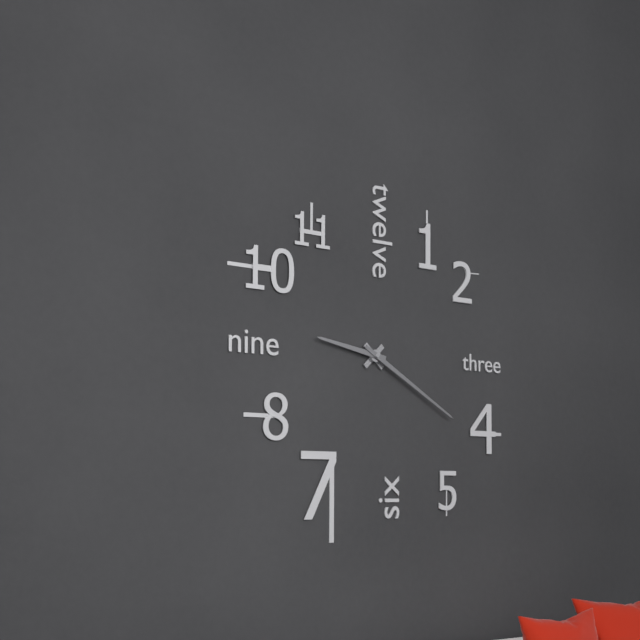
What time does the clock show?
9:20
